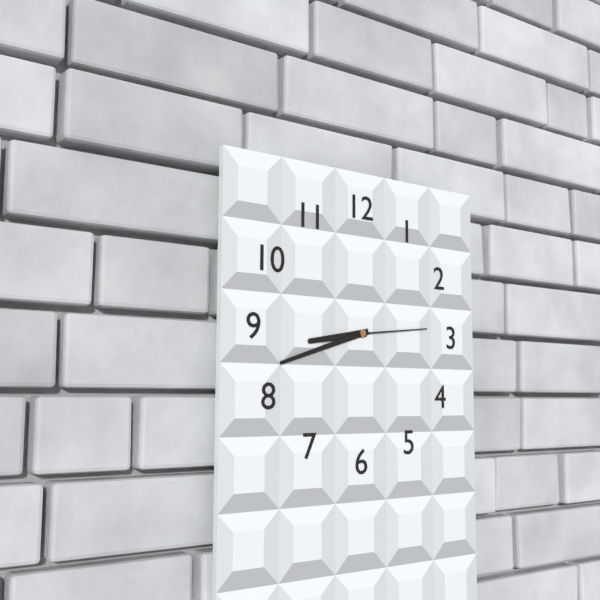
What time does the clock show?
8:42:14
